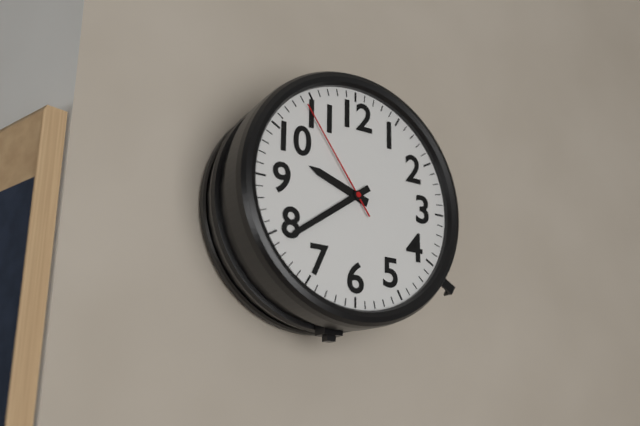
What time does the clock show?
9:39:54
